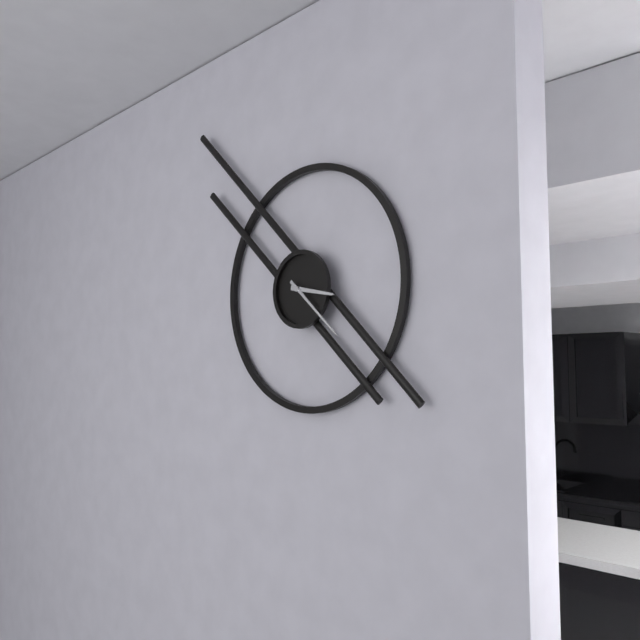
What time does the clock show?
3:22
